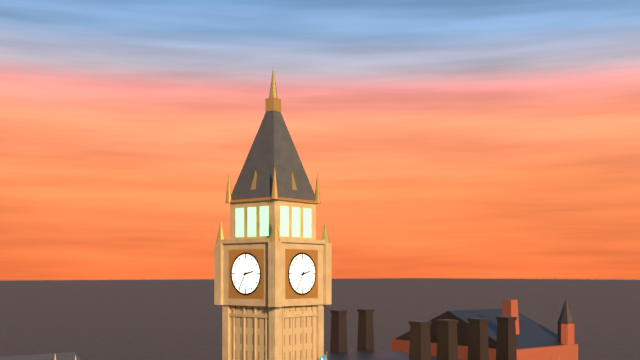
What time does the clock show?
2:35
